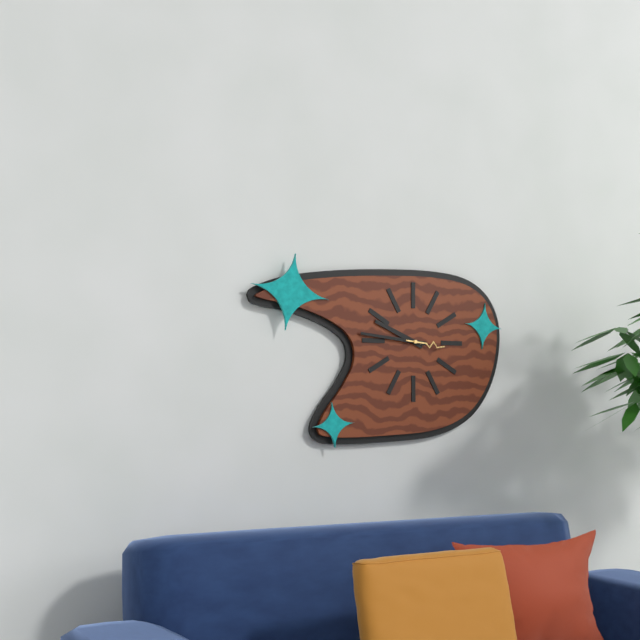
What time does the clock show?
9:46
